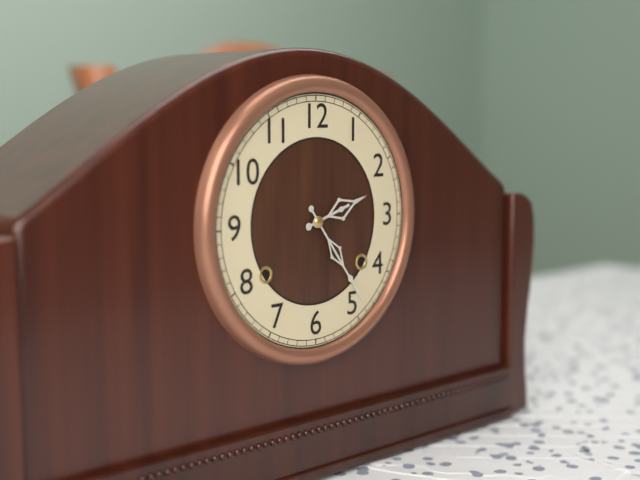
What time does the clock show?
2:24
